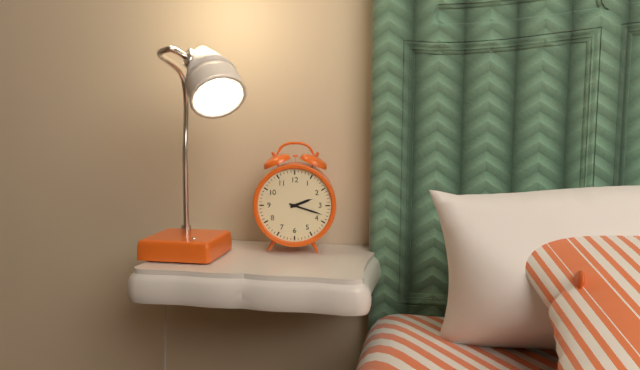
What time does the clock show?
2:18
